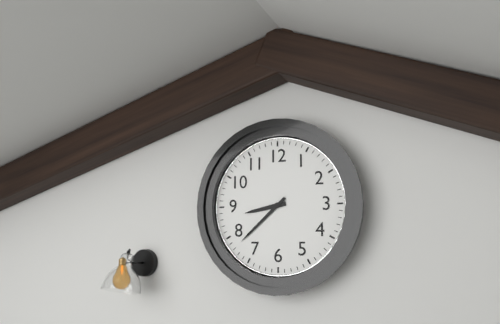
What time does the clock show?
8:38
